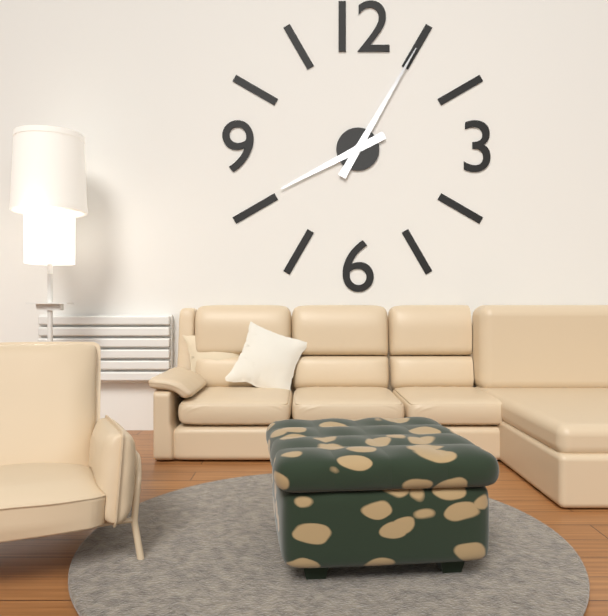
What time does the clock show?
8:05
